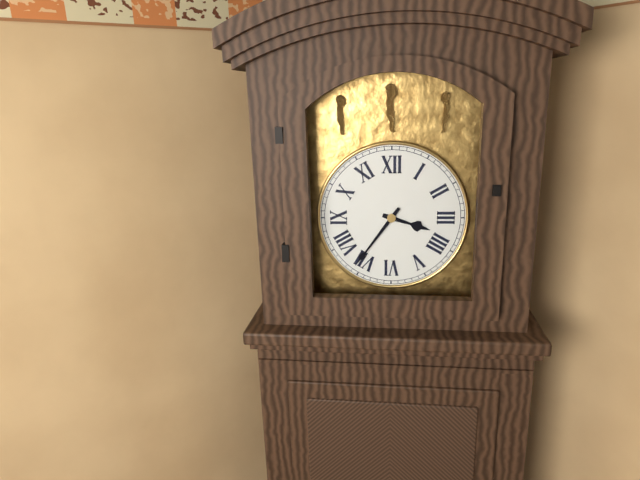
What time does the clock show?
3:36
